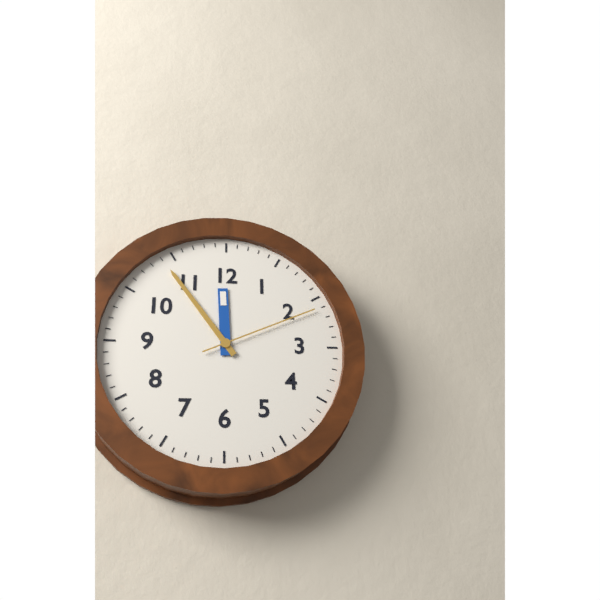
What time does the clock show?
11:54:11
